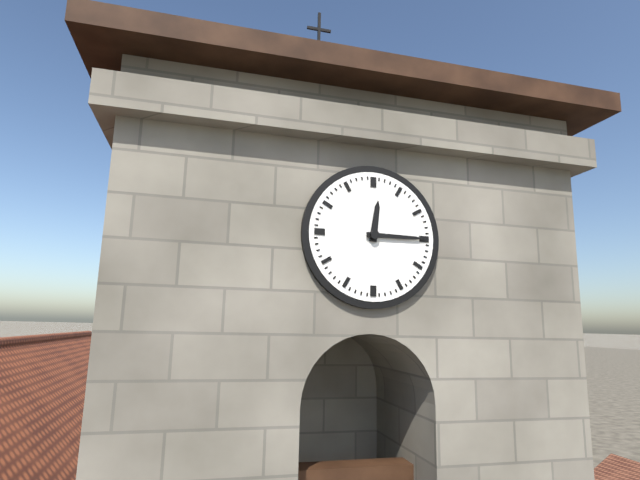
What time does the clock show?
12:15
